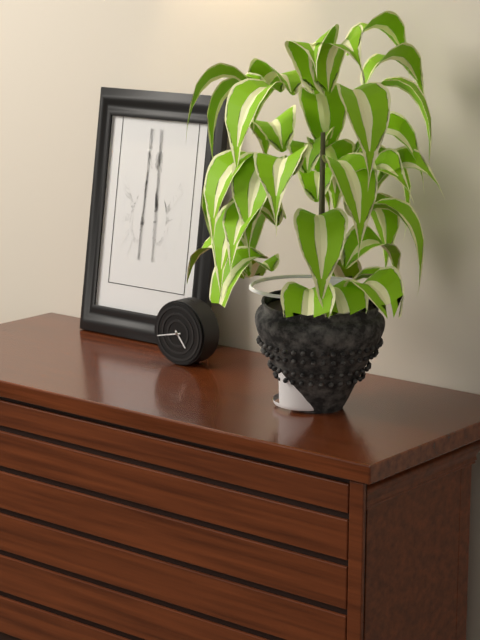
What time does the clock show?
4:43
